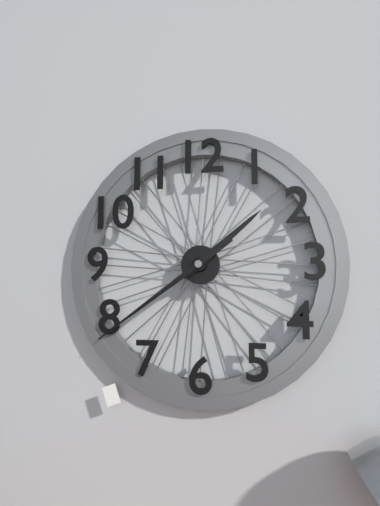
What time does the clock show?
1:39
